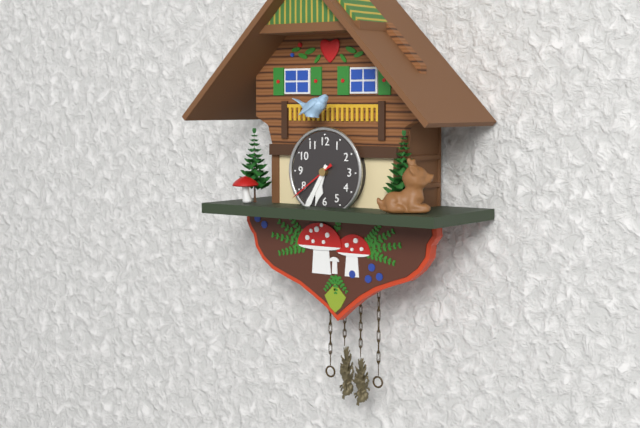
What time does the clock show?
6:35:39
